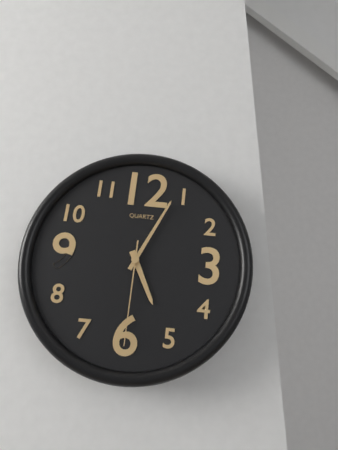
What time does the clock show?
5:04:30
